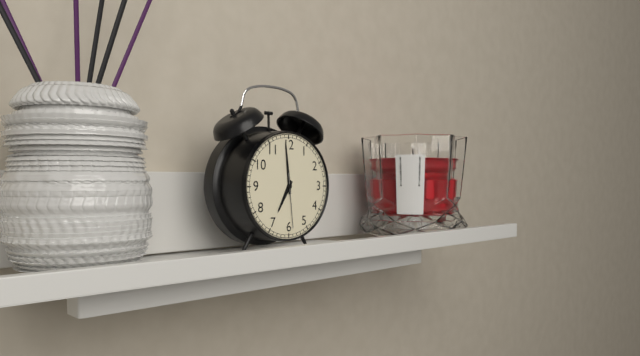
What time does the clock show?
6:59:29
